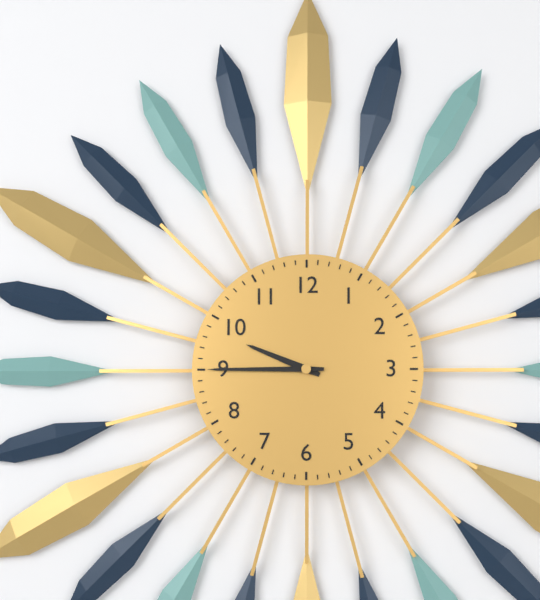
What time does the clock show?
9:45
